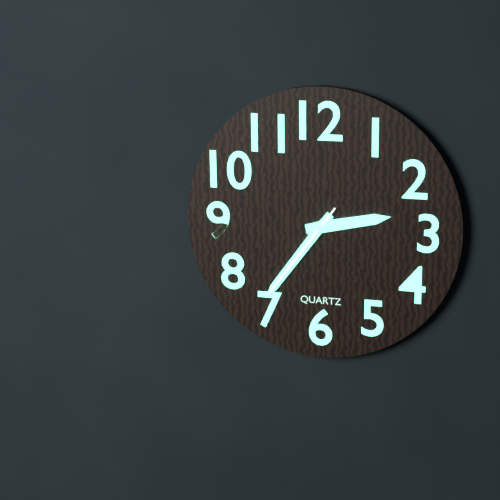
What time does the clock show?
2:36:36
